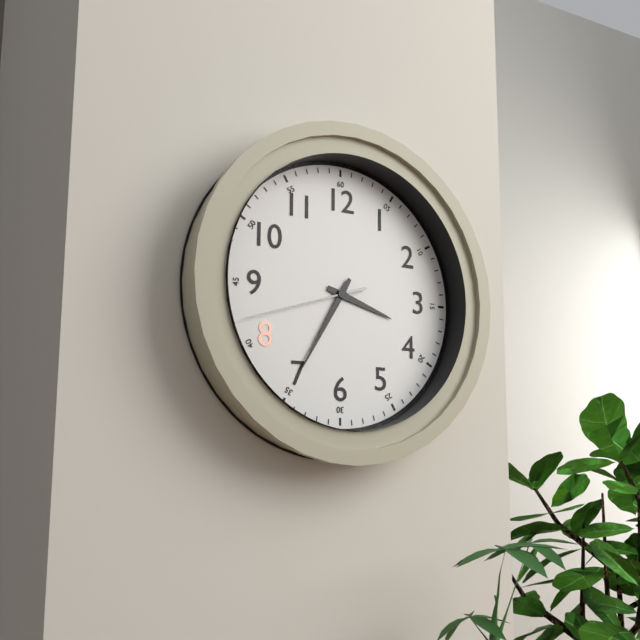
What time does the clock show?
3:35:42
